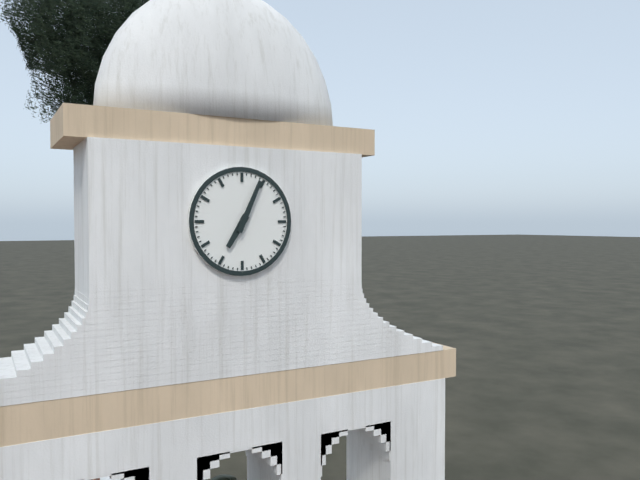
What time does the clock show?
7:04
